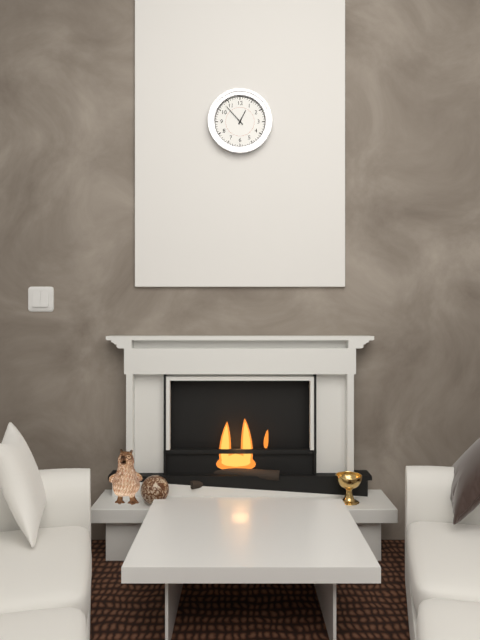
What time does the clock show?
12:53
